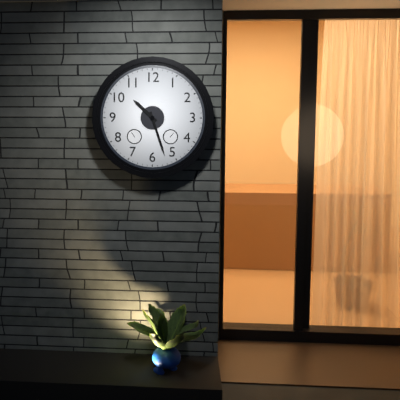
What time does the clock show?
10:27
